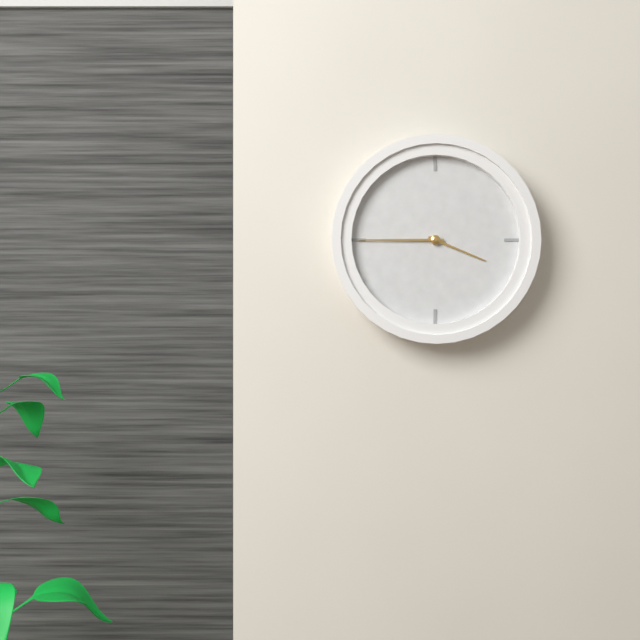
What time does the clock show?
3:45
